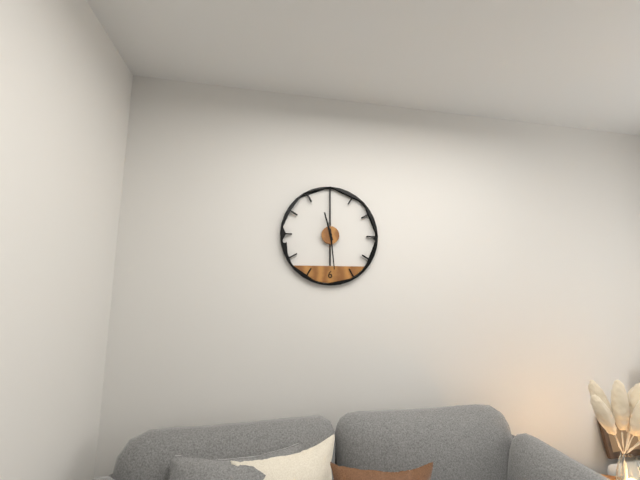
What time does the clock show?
11:29
